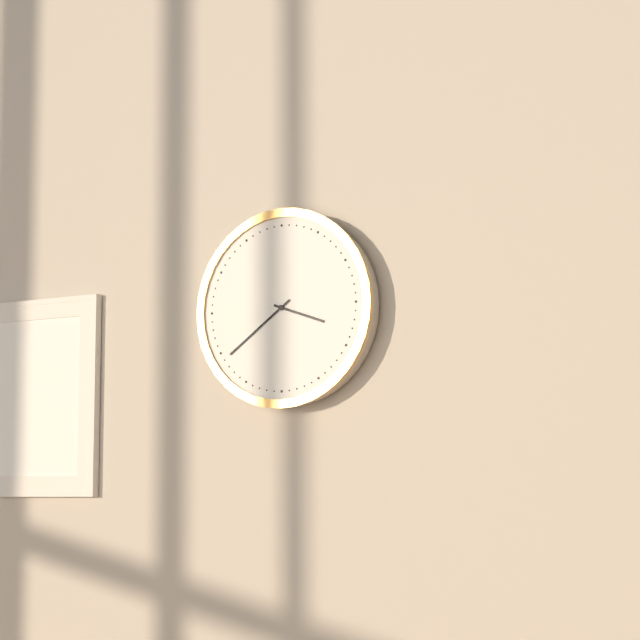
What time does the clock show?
3:39
